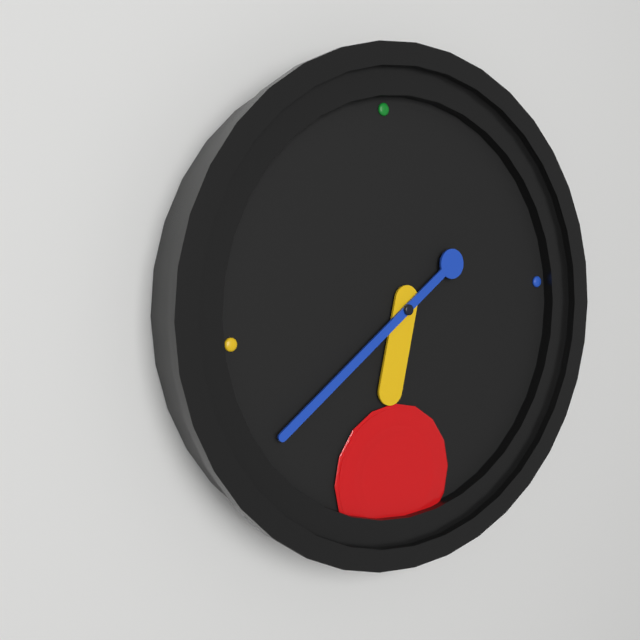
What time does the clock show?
6:40
